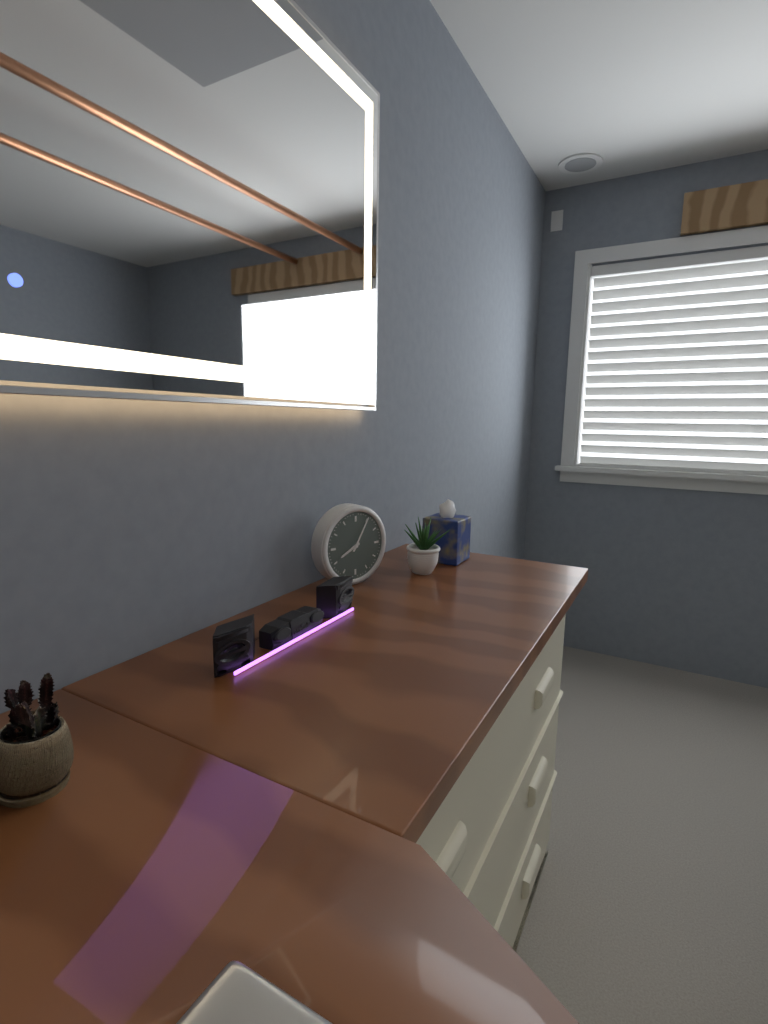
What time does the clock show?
8:05
